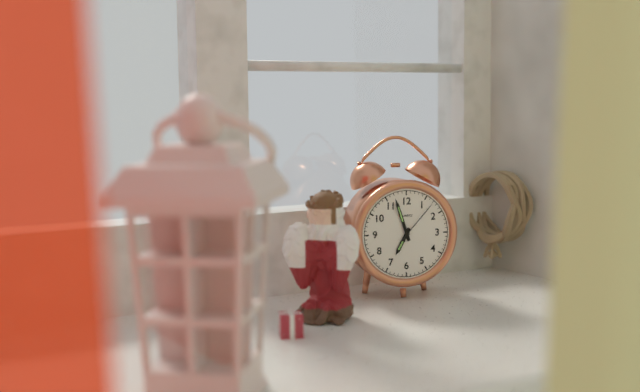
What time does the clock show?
6:57:07
